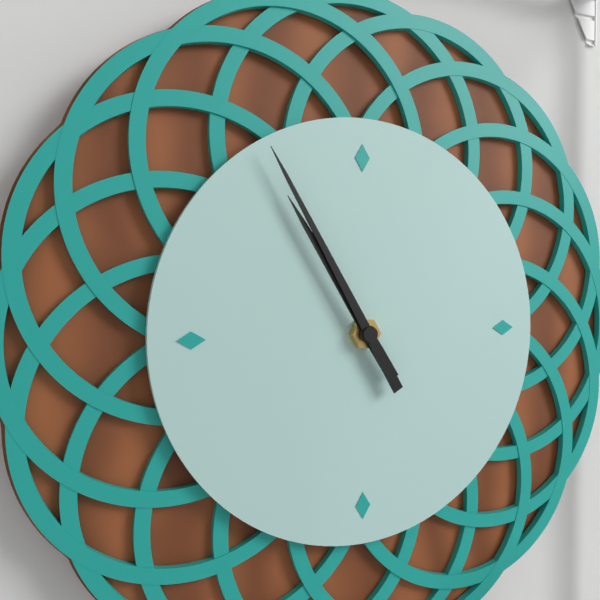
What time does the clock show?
10:55
